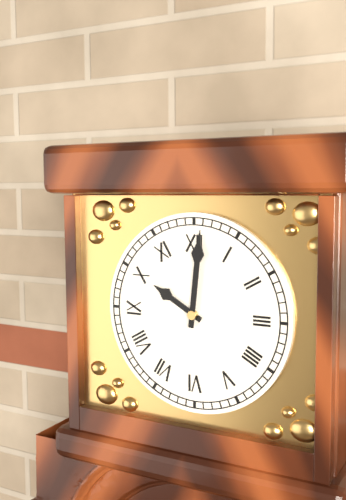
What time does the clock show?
10:01
